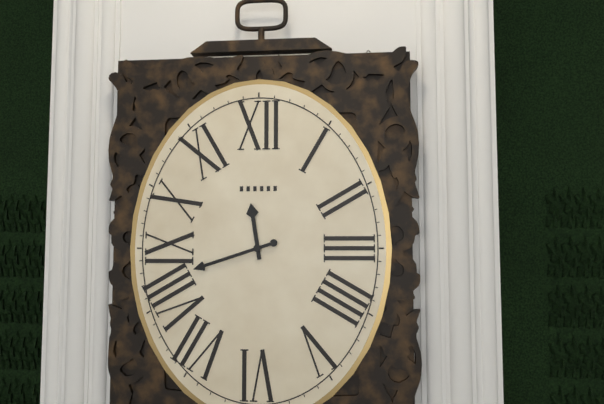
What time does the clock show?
11:42
